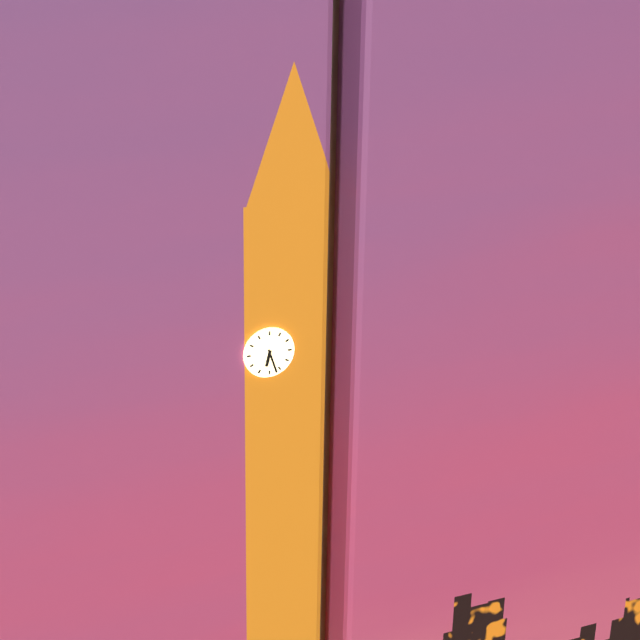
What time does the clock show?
6:27
